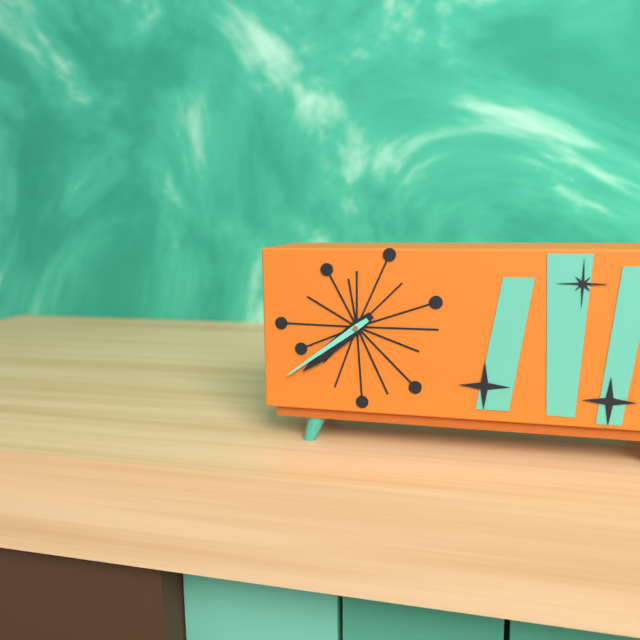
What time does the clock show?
7:39
